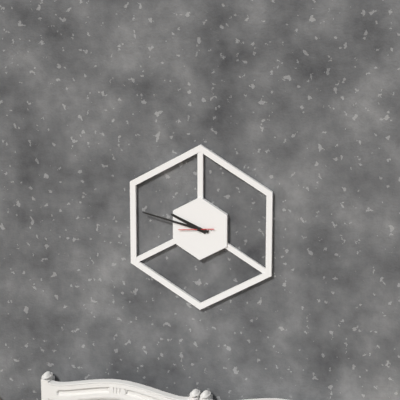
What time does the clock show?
9:47
